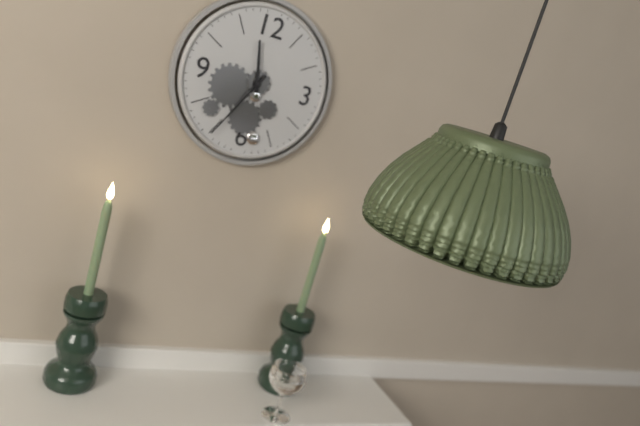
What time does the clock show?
11:35
